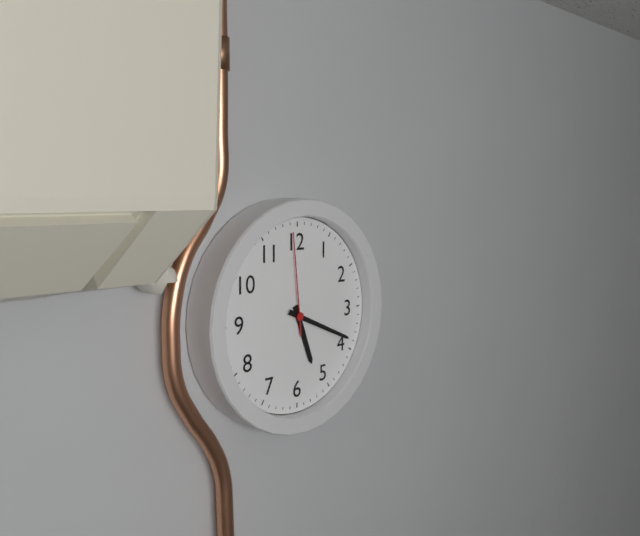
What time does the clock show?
5:19:59
